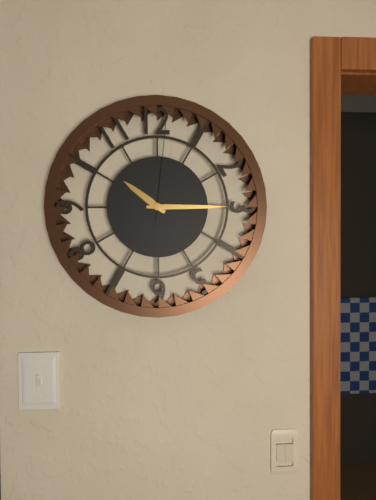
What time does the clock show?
10:15:01
